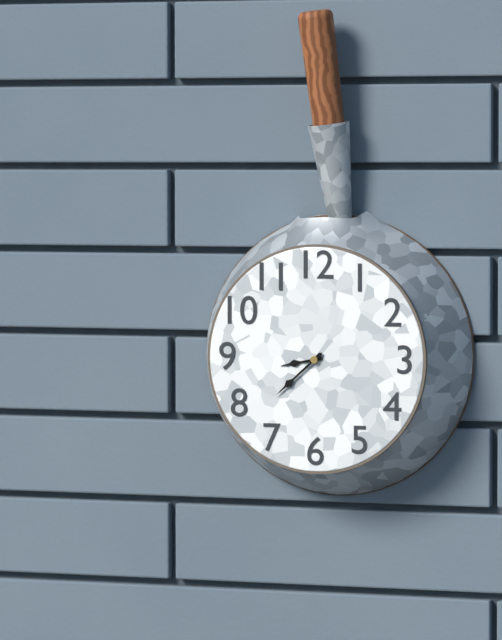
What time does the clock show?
8:38
